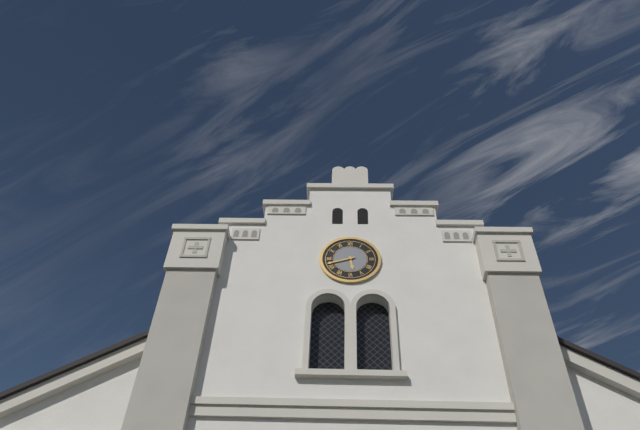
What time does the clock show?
5:42
